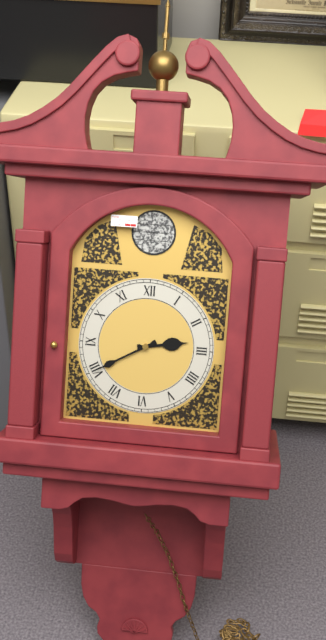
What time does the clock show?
2:40
